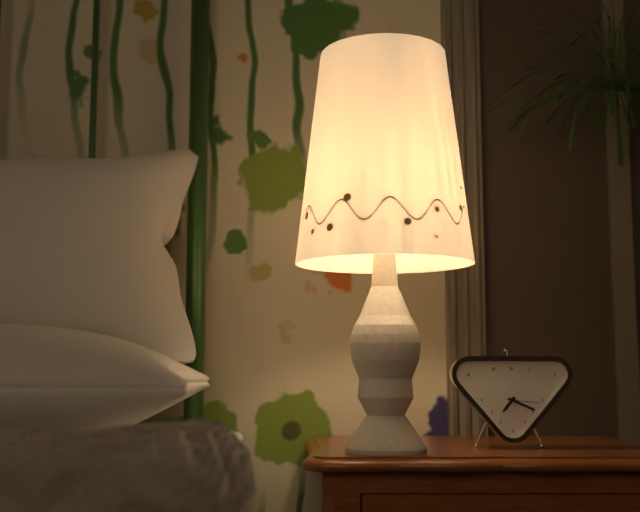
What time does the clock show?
7:19
